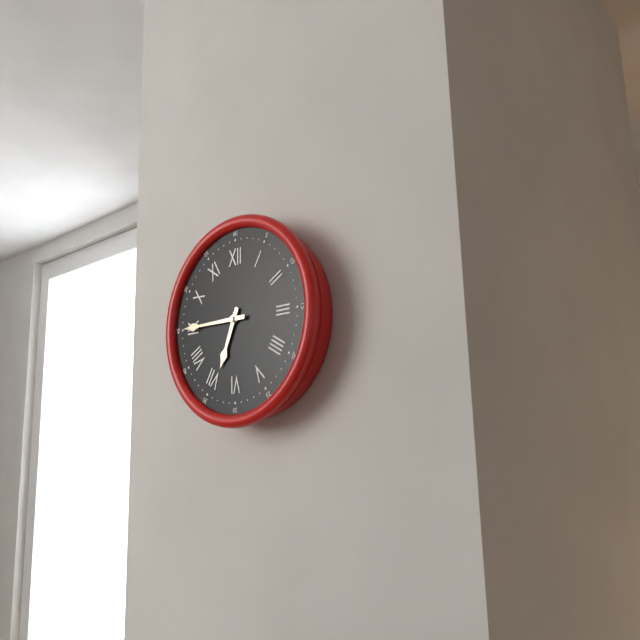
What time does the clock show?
6:45
